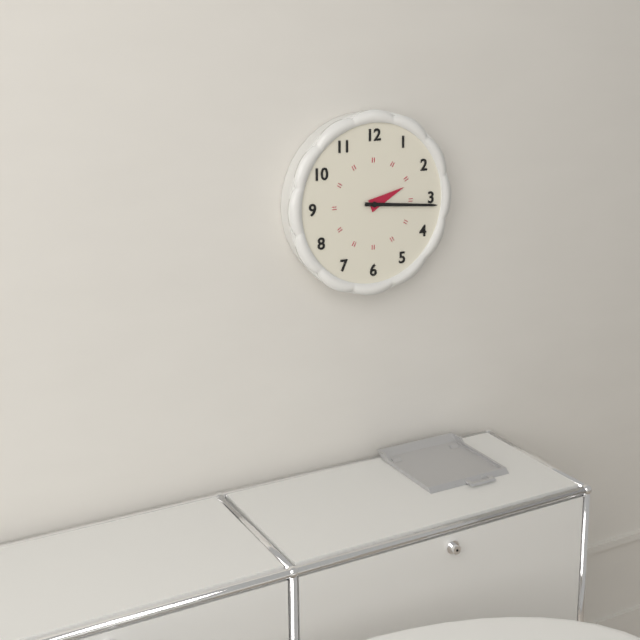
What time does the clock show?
2:16
